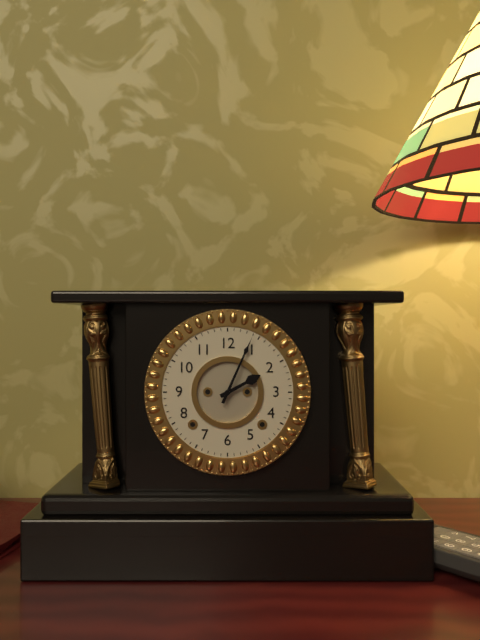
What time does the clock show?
2:04
